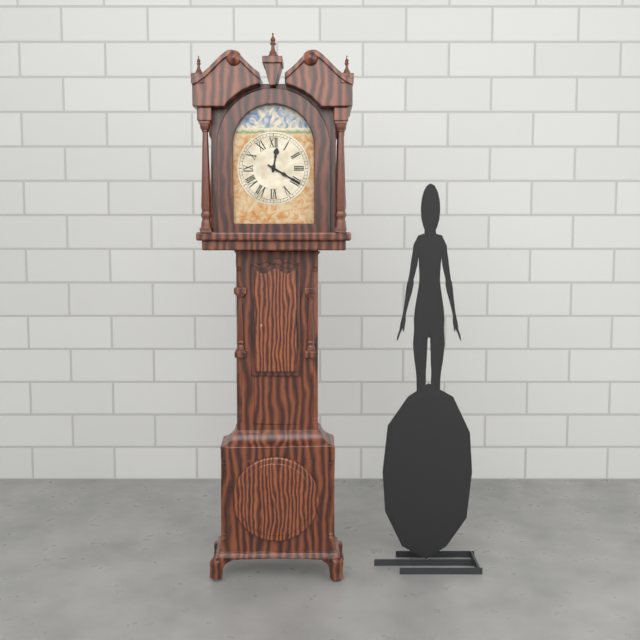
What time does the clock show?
12:20
